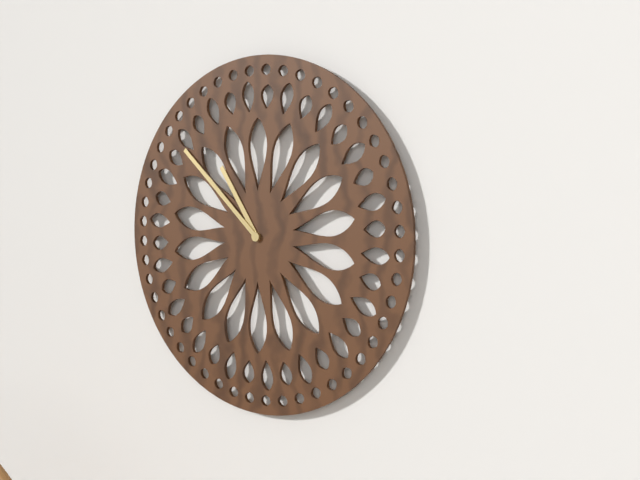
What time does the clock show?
10:52
